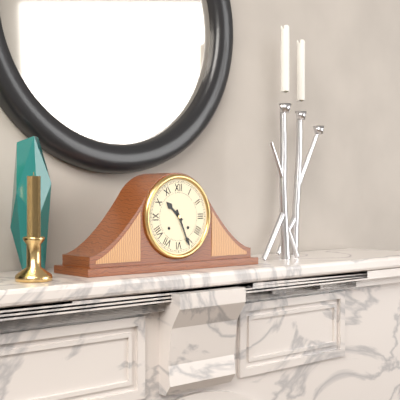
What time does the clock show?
10:26
